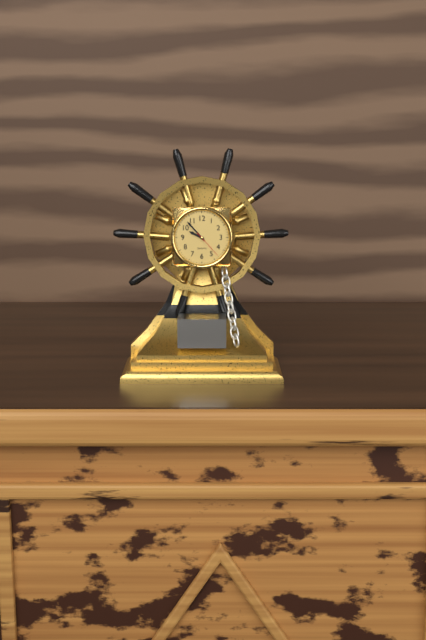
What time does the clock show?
9:53
